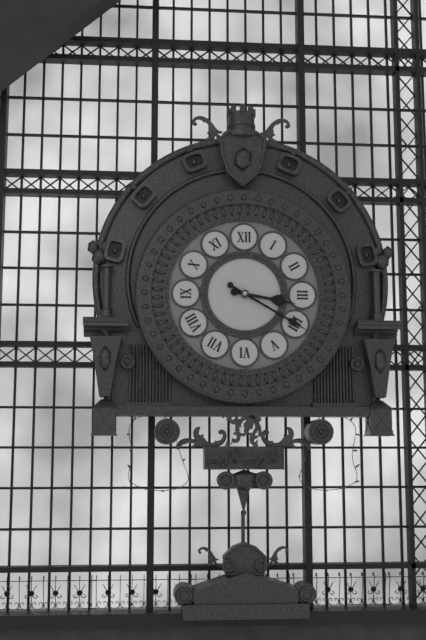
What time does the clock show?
3:20
